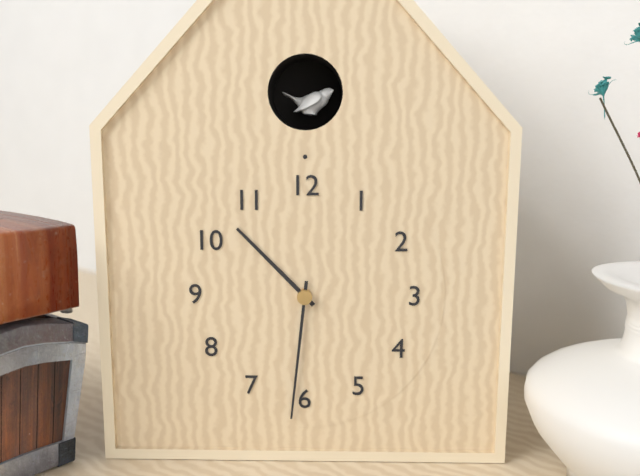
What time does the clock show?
10:31
